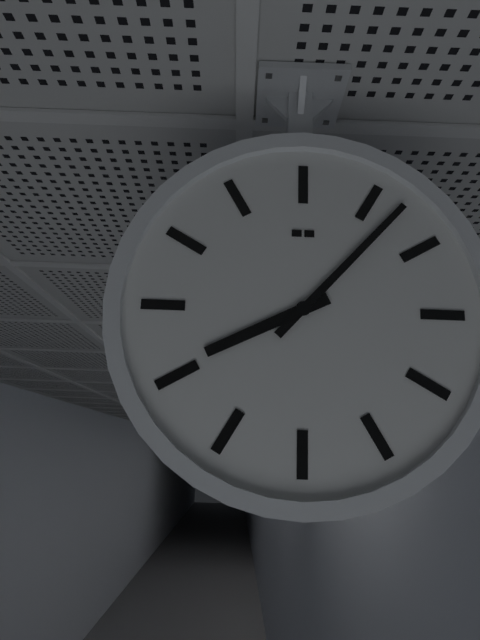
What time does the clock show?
8:07
